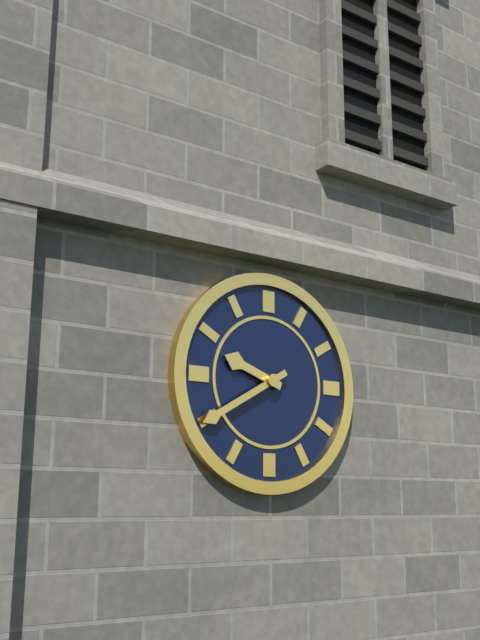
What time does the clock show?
9:40
